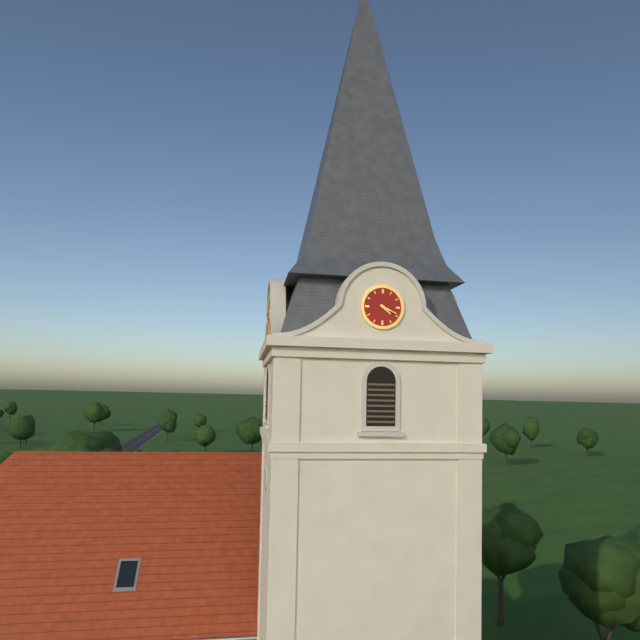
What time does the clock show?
4:19
